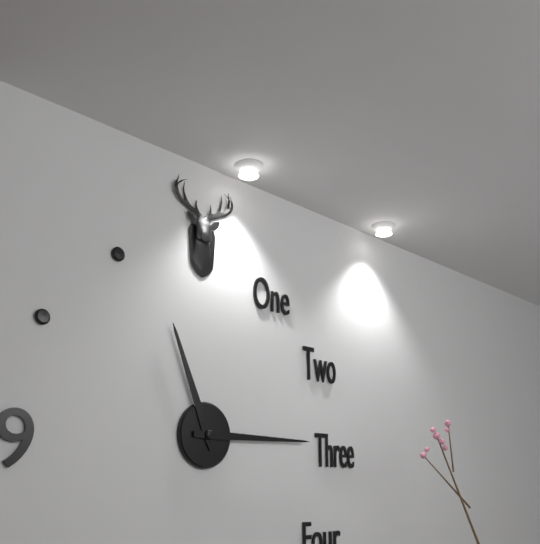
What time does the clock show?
11:15
